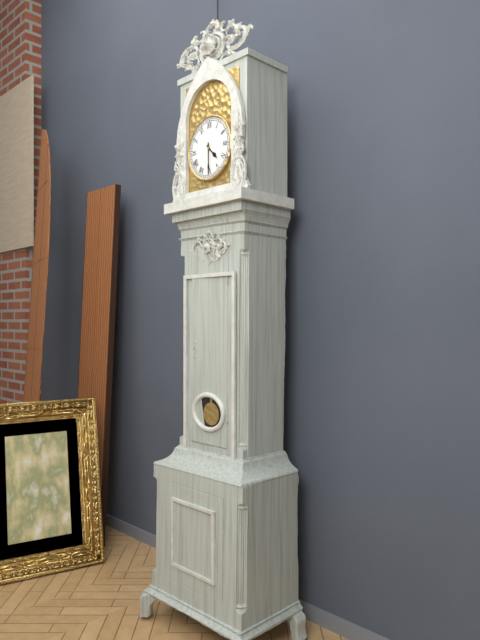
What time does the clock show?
4:30
